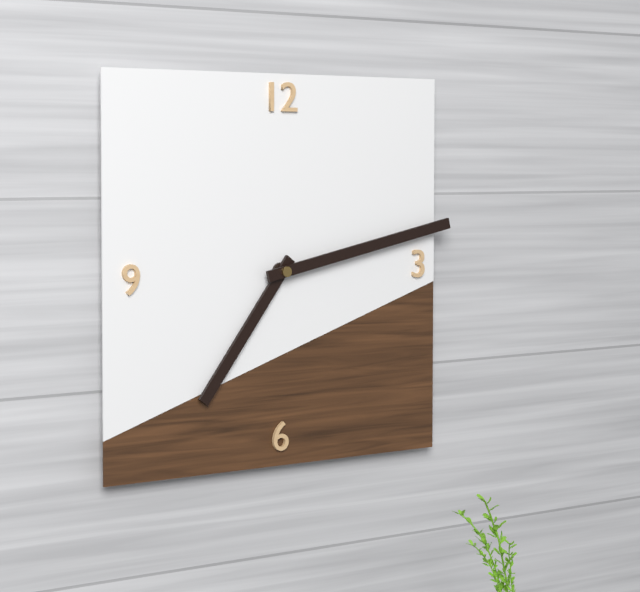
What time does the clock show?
7:13
